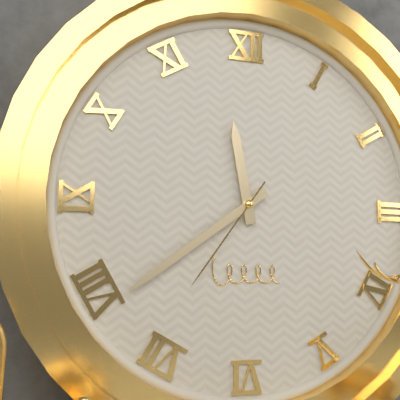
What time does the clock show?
11:39:36
